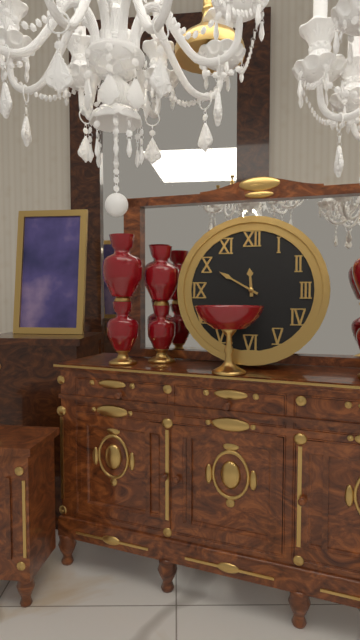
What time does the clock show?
11:50
